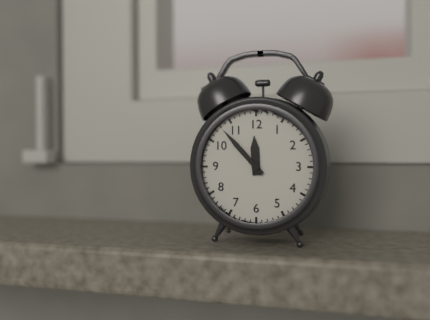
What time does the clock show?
11:53
